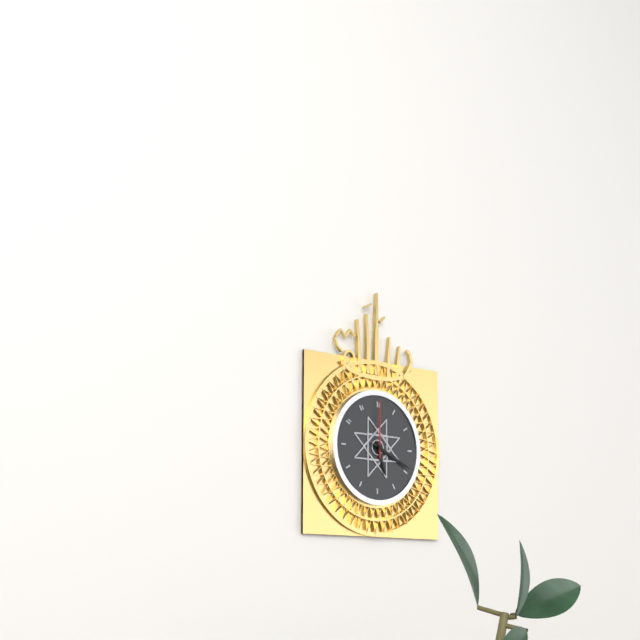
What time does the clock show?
5:19:00
